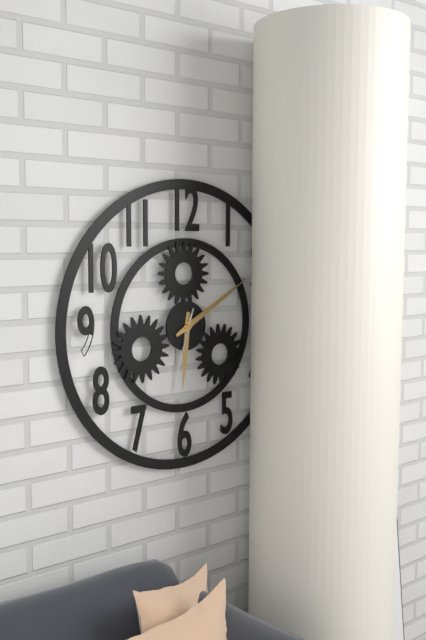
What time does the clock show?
6:10:33
